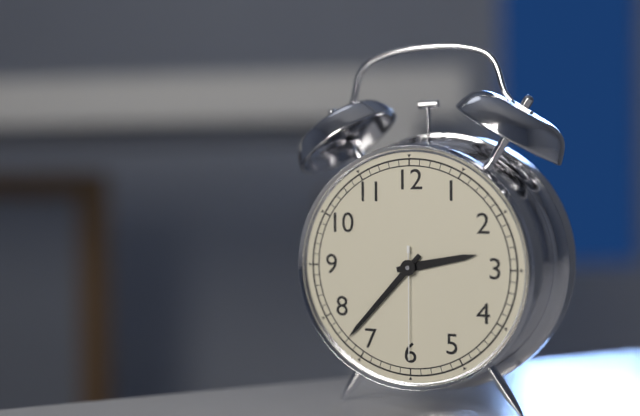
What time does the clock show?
2:37:30
